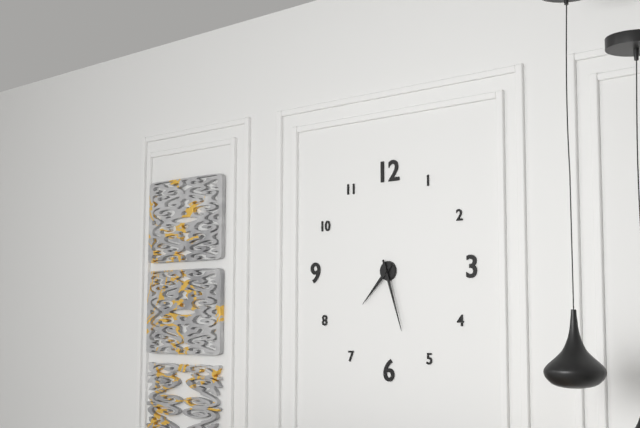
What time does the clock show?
7:27
